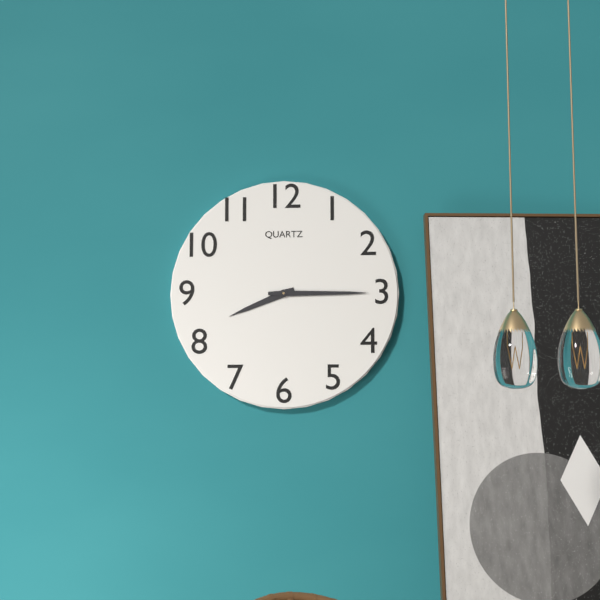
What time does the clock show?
8:15
